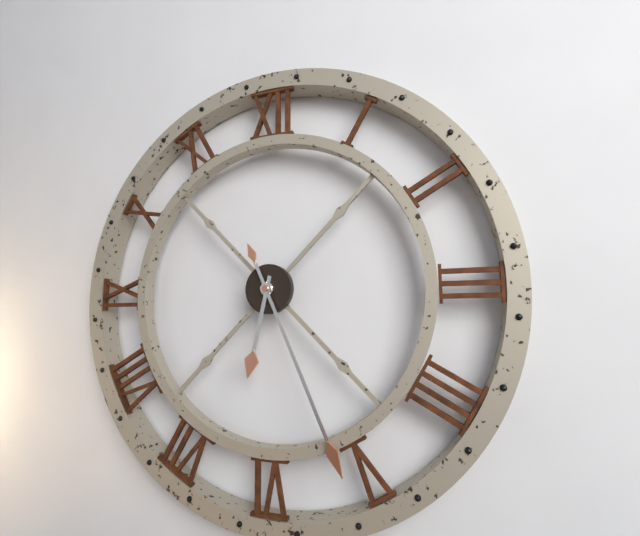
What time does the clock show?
6:26
